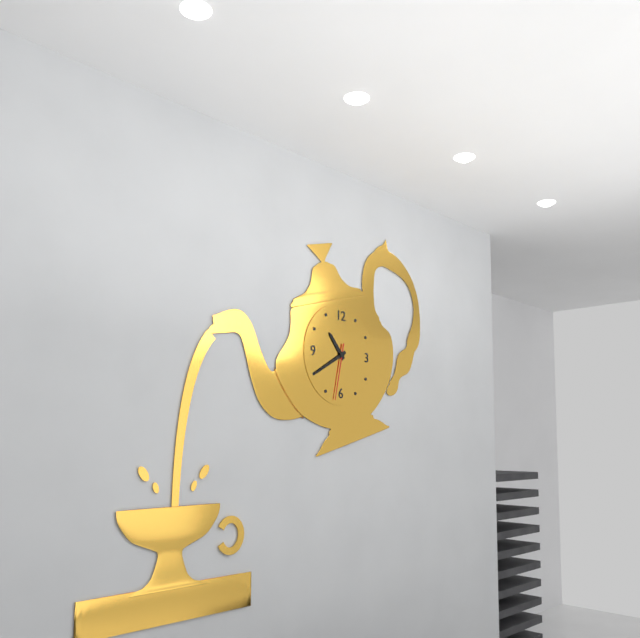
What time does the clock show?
10:40:32
